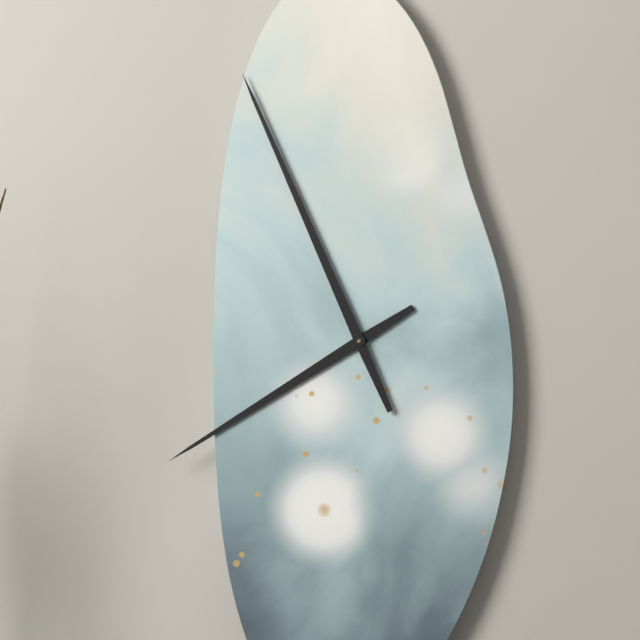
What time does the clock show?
7:56
